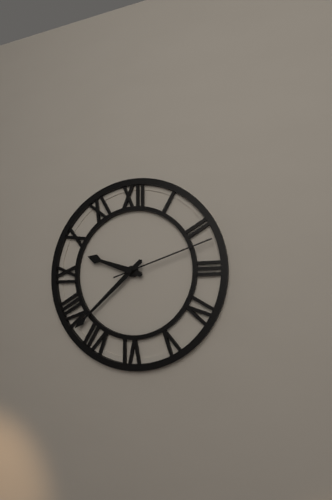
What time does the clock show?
9:38:12
